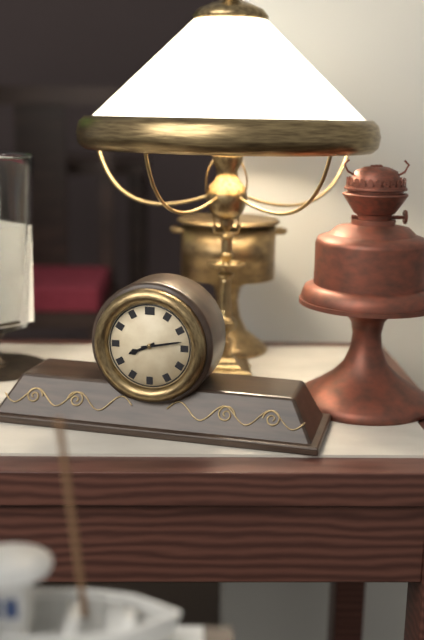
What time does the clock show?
8:13
